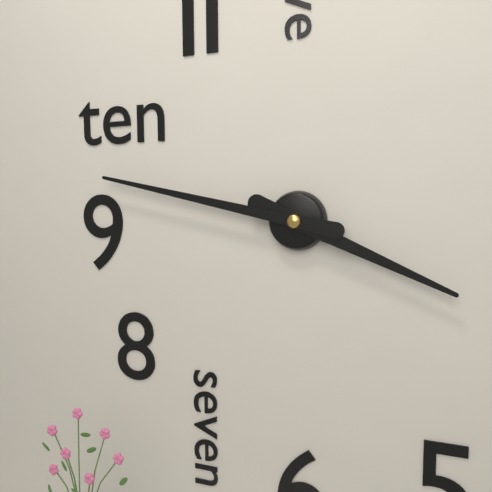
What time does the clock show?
3:47
